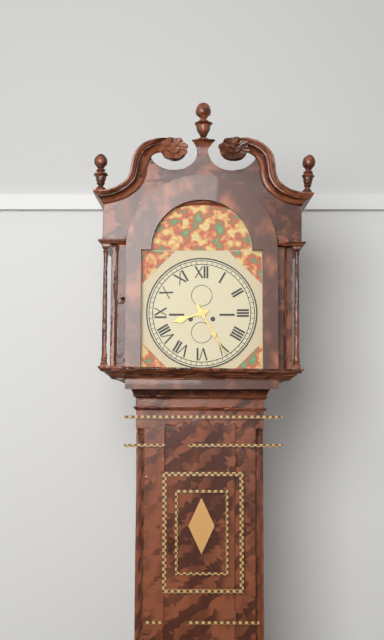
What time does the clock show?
8:25
